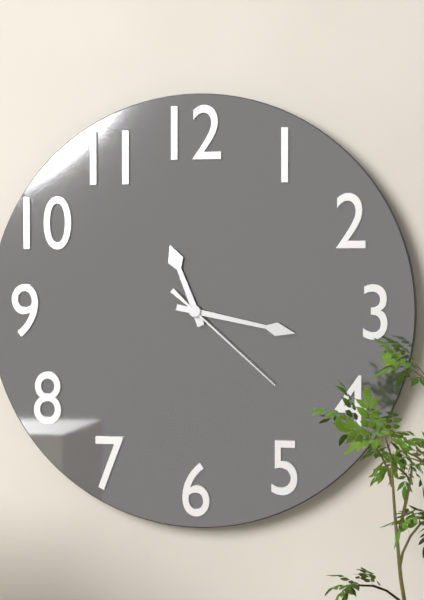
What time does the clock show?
11:17:22
